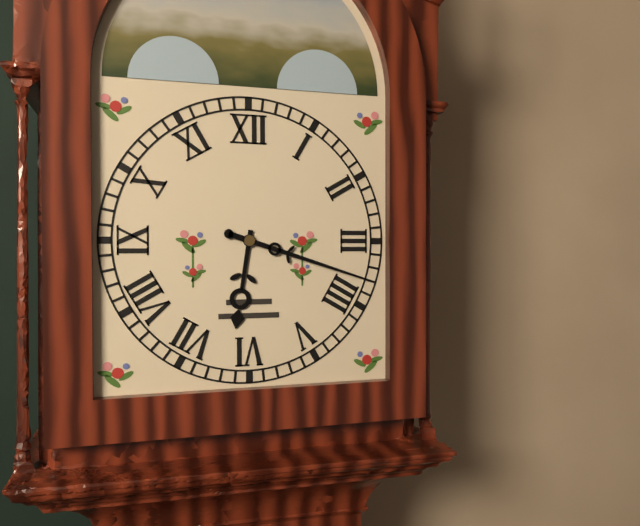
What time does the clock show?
6:18
